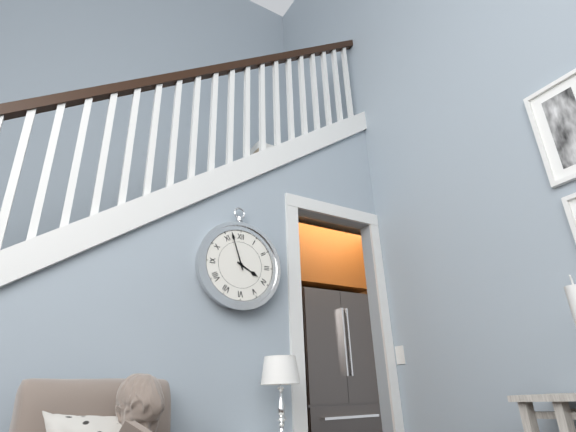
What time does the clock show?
3:57
